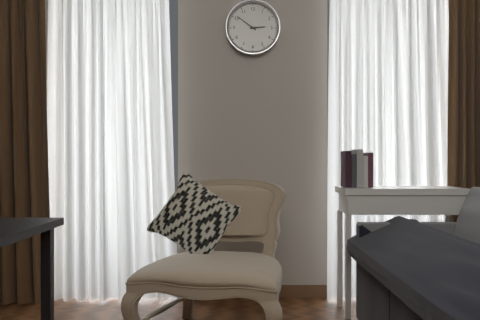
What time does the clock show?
2:51
